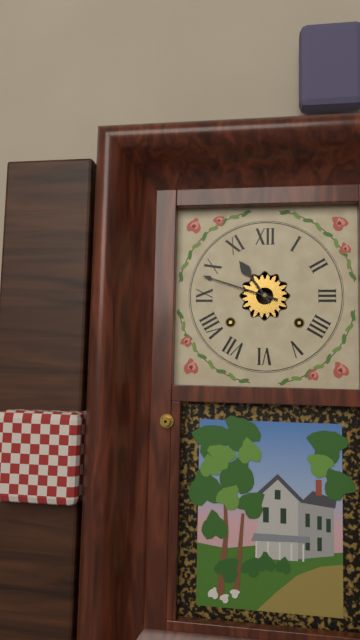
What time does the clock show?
10:48
